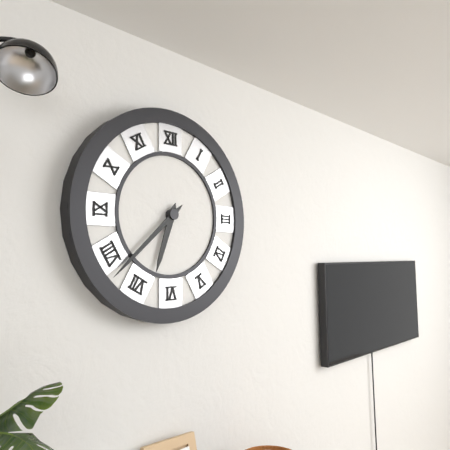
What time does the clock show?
6:38
